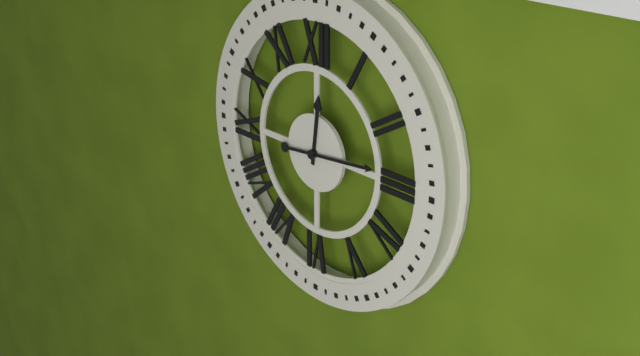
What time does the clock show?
12:14
